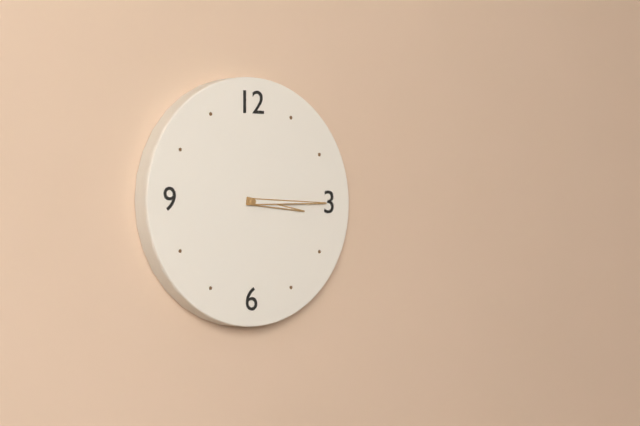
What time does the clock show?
3:15
